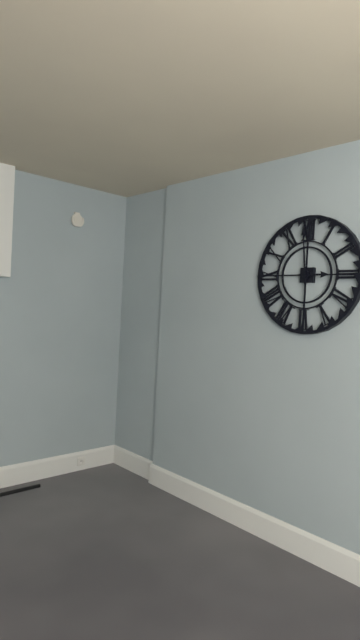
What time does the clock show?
2:59
